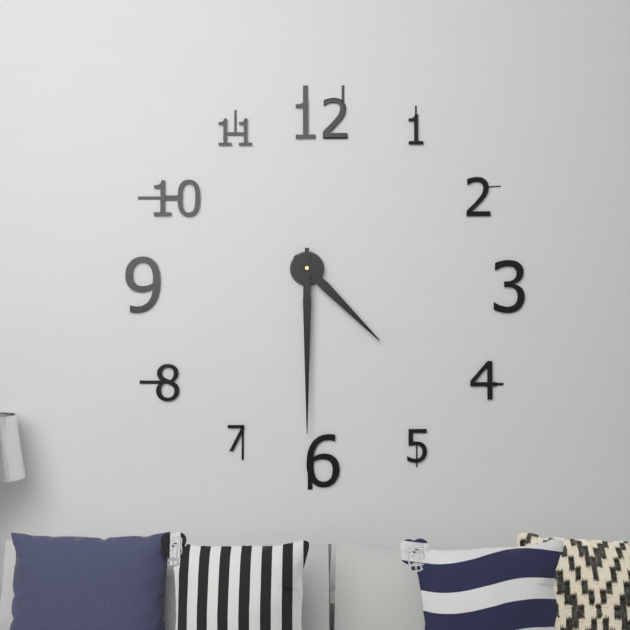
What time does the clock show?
4:30
